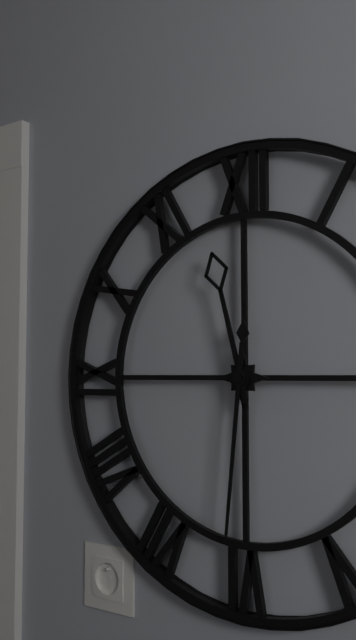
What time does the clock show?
11:31
